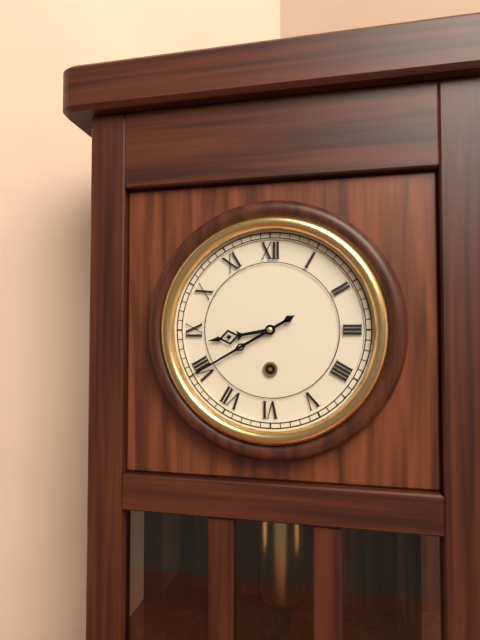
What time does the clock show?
8:40
